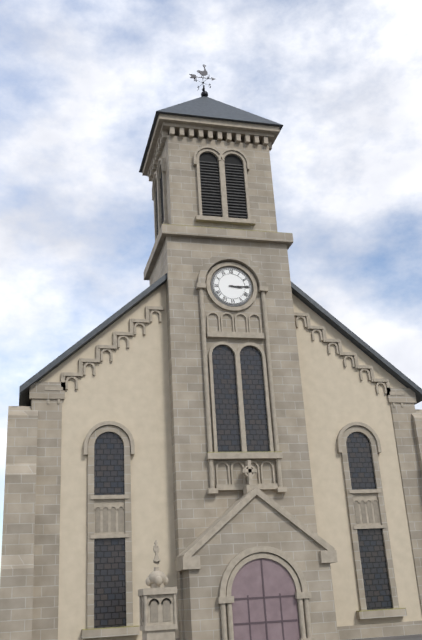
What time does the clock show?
3:15
